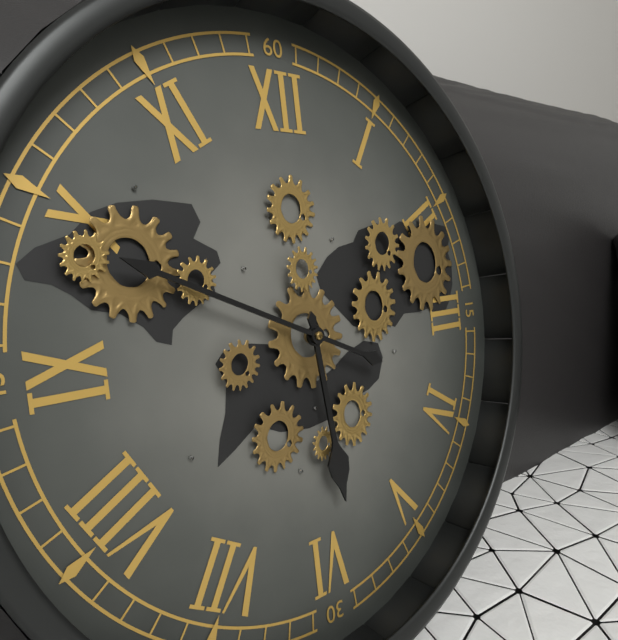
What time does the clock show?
5:49
